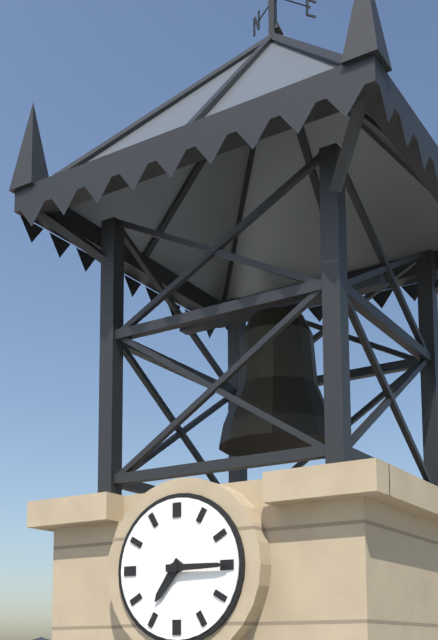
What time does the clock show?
7:15
